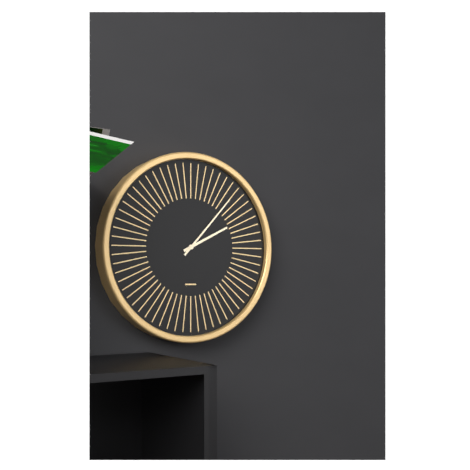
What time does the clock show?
2:07
